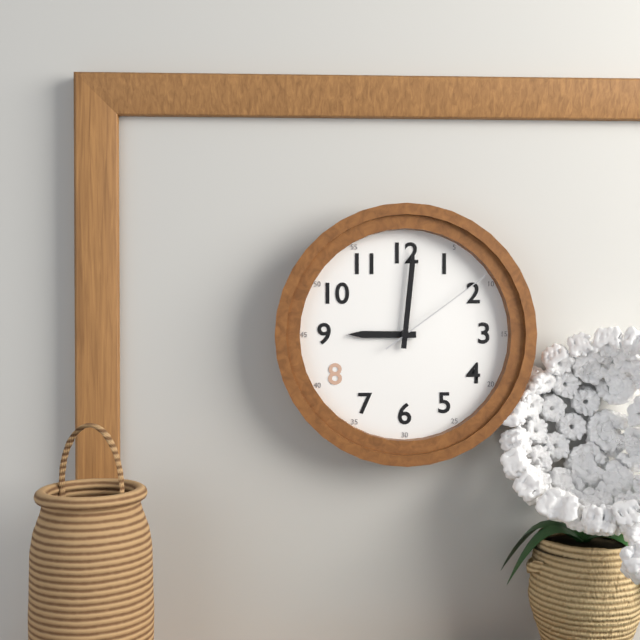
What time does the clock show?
9:01:09
